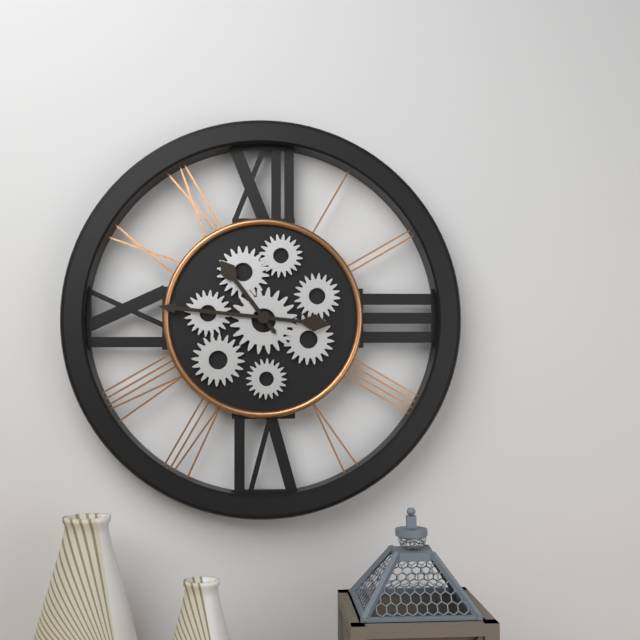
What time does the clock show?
10:46
